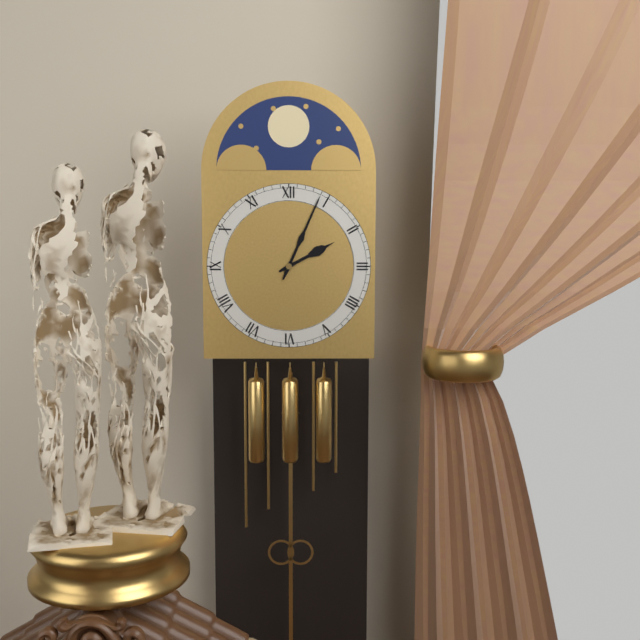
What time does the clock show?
2:04
